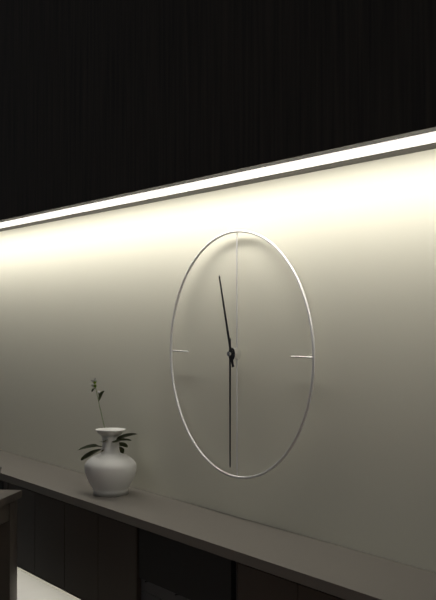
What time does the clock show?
11:30
